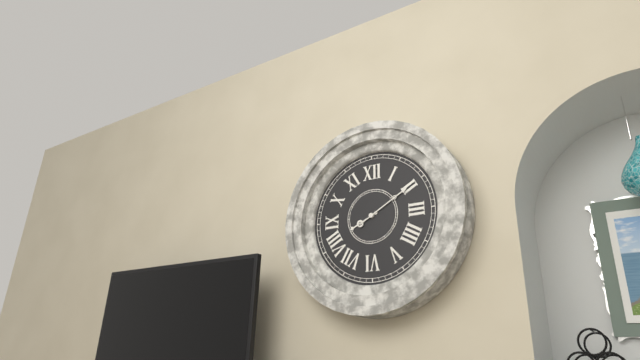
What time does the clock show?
8:10
